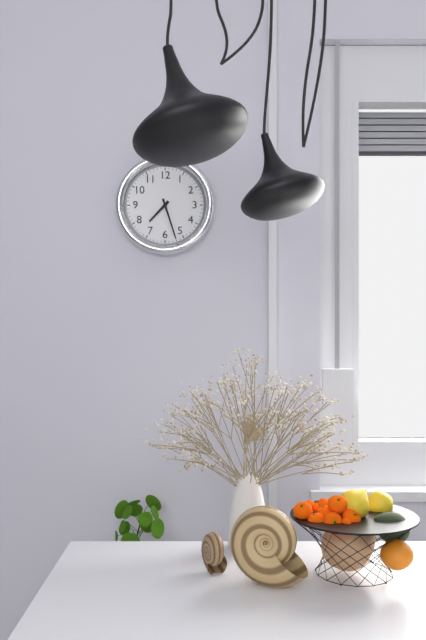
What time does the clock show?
7:27
